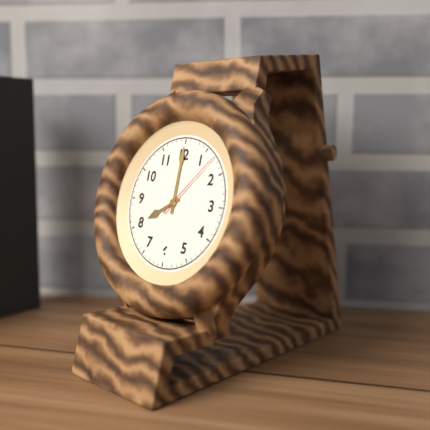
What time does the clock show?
8:00:07
